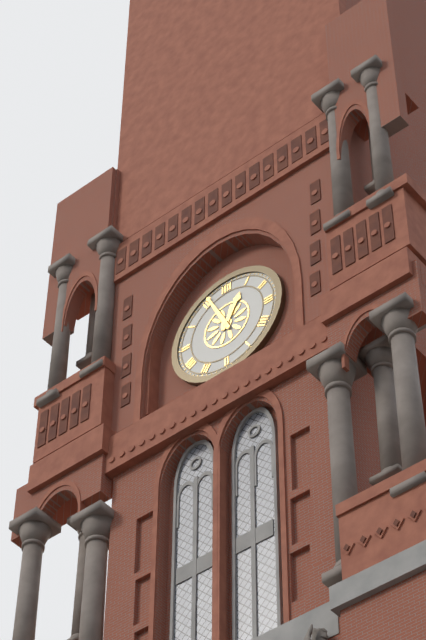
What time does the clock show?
12:56
